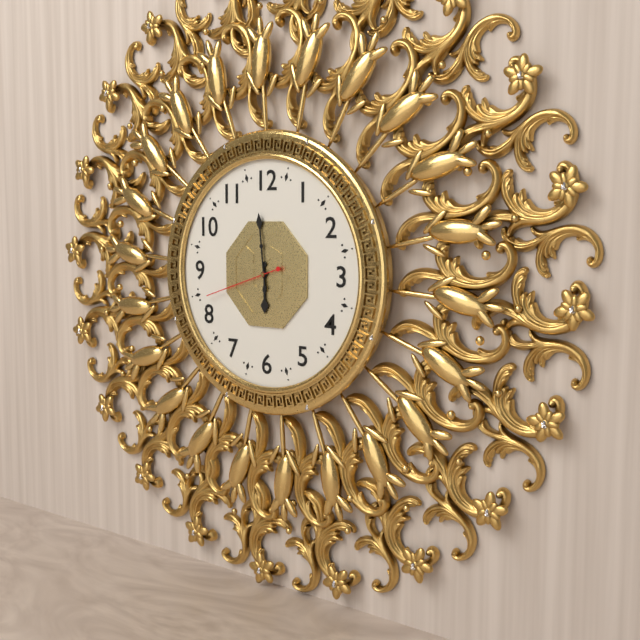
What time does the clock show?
5:59:42
